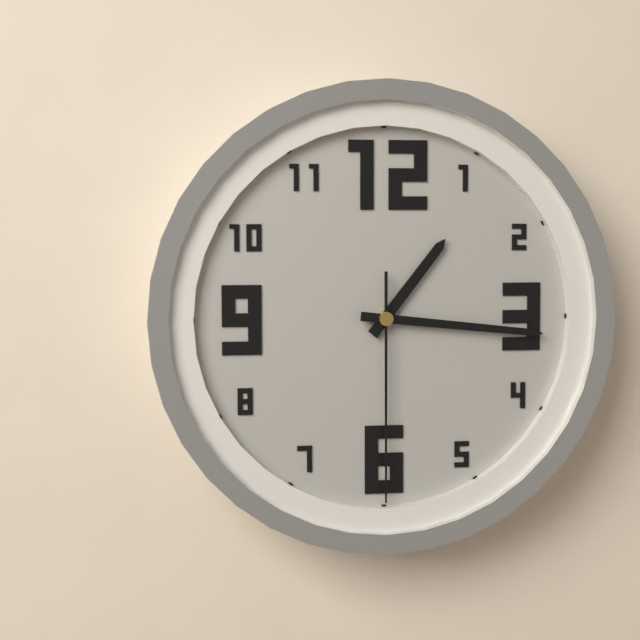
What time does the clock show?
1:16:30
